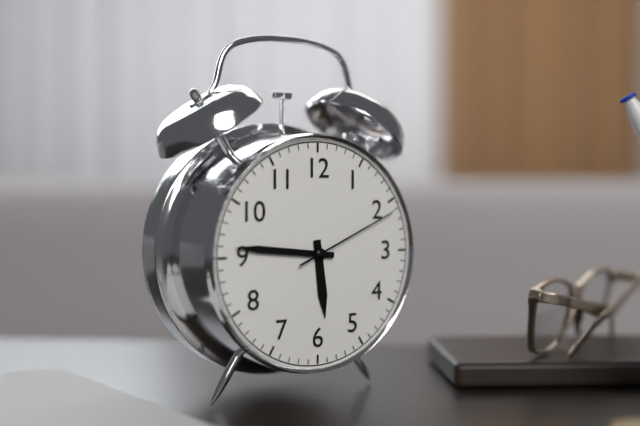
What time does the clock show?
5:46:11
